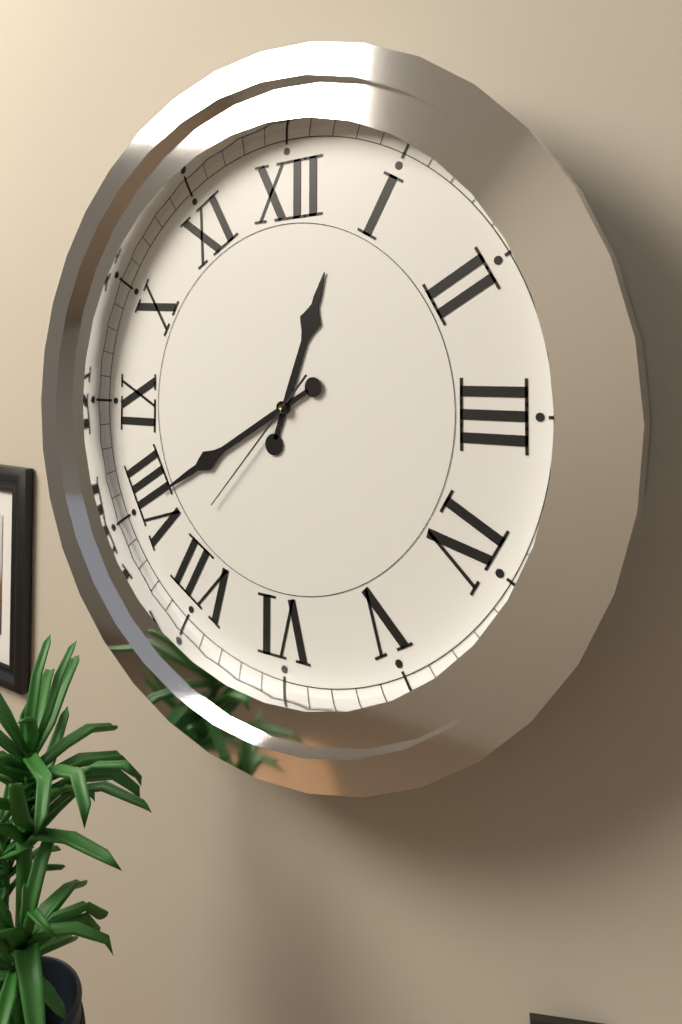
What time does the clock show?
12:40:37
